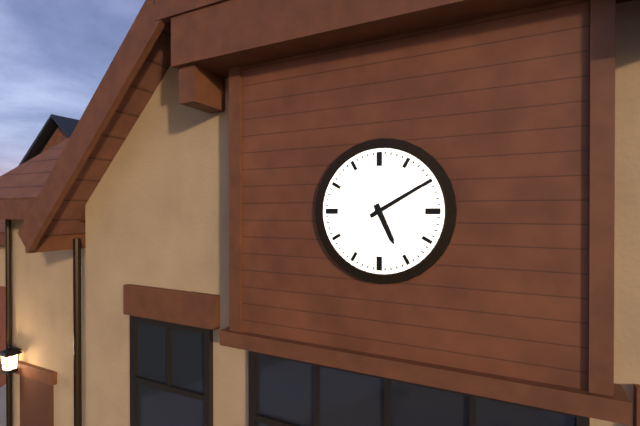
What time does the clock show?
5:10
